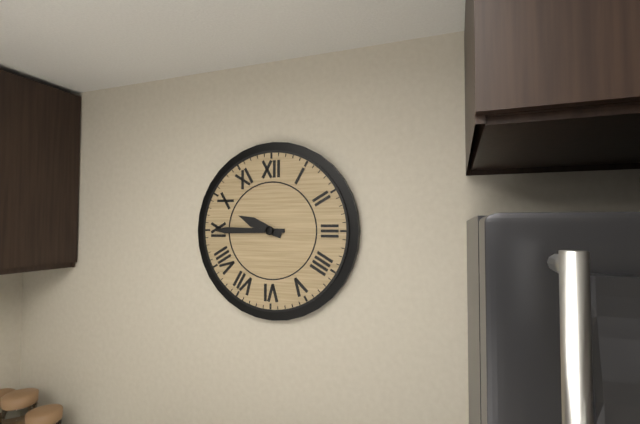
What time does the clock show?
9:45
